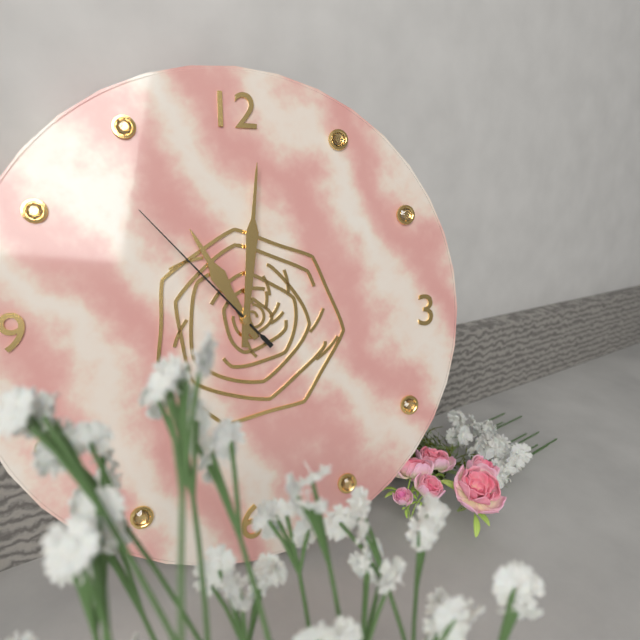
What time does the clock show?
11:01:53
